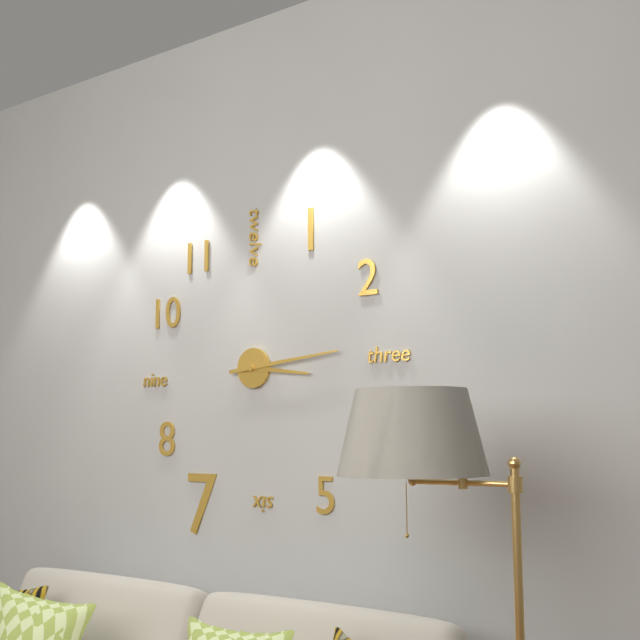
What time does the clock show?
3:14
